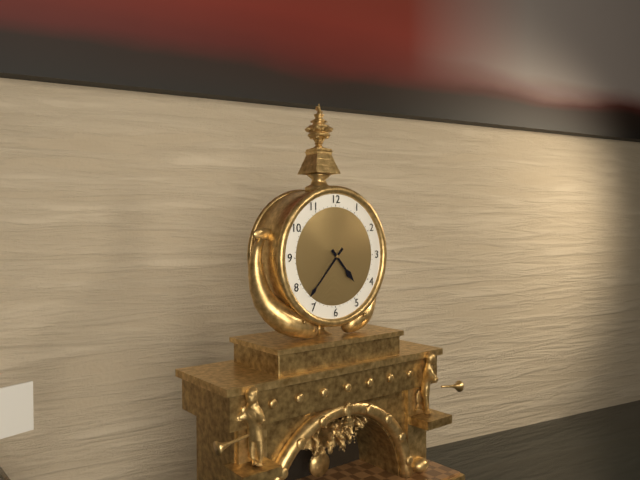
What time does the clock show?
4:37
